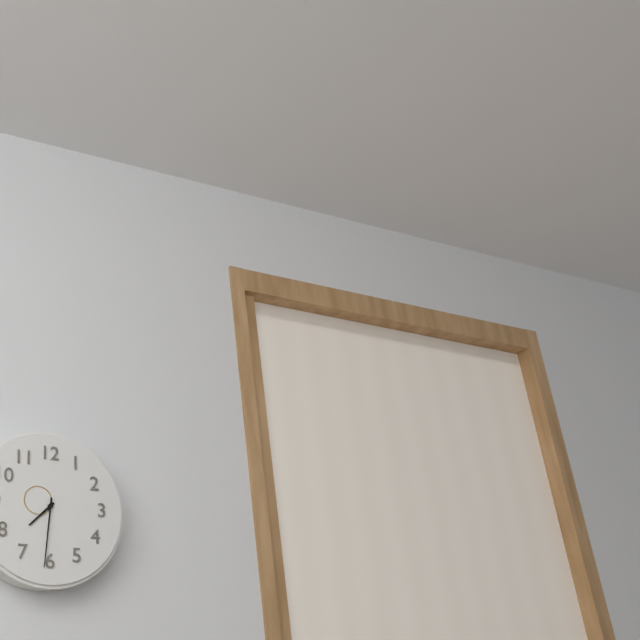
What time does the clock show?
7:31
